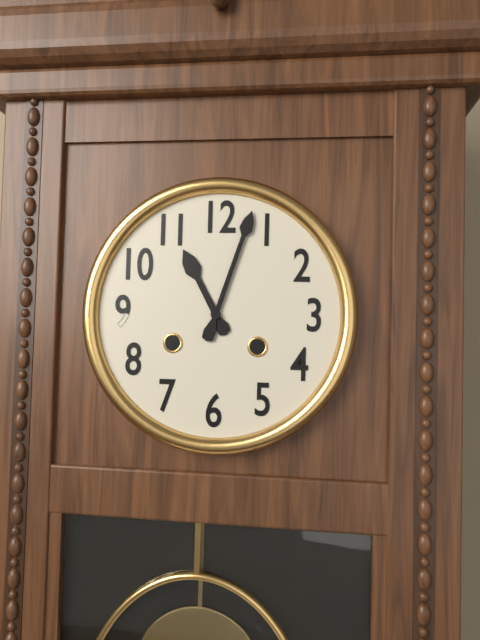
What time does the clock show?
11:03
